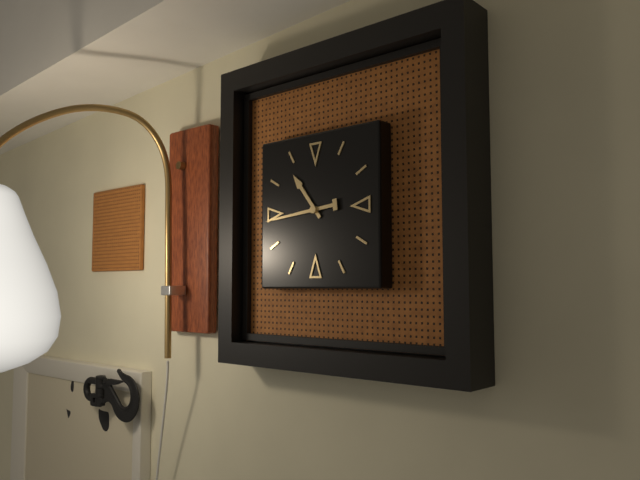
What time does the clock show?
10:44
